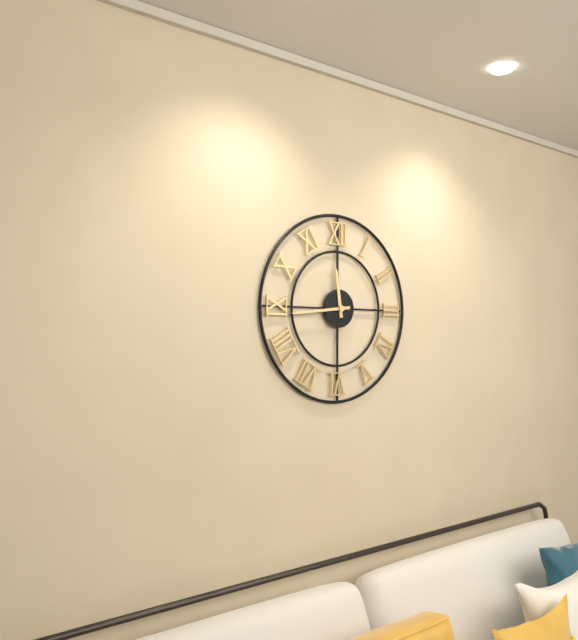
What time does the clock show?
11:44
